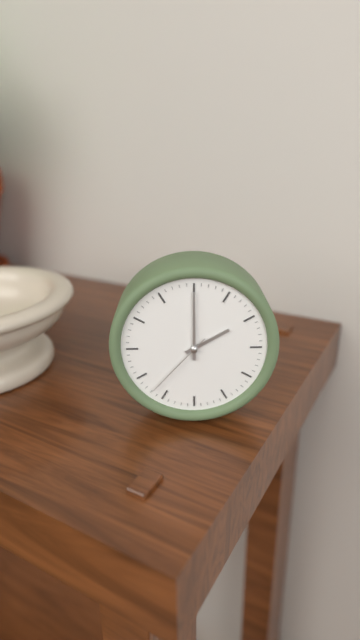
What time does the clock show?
2:00:37
